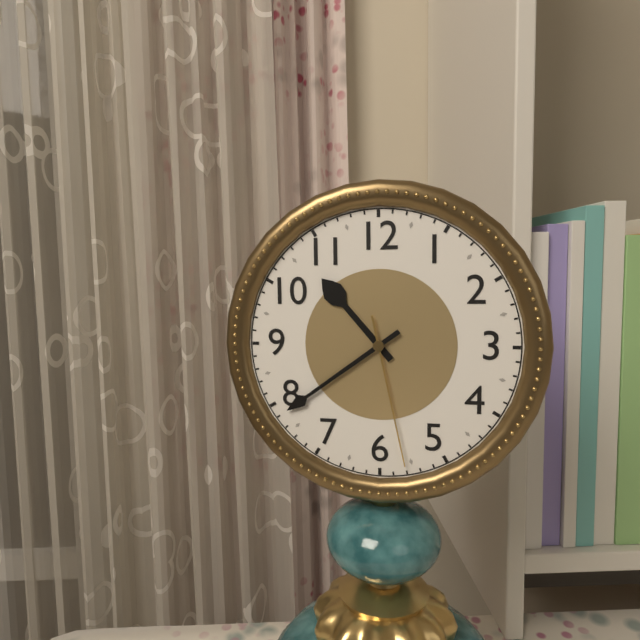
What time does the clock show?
10:39:28
